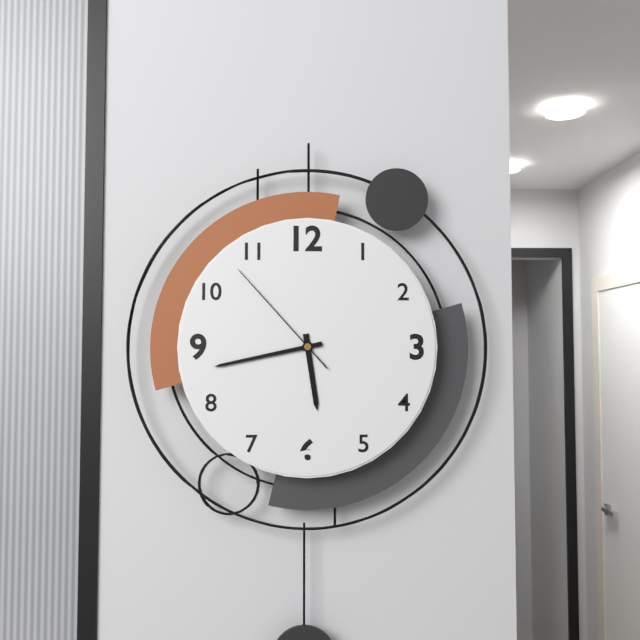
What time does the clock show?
5:43:53
